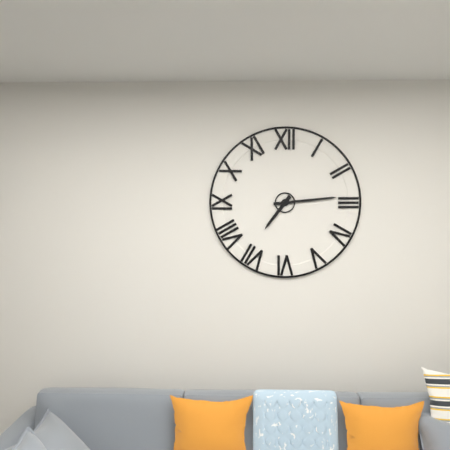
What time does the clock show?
7:14
